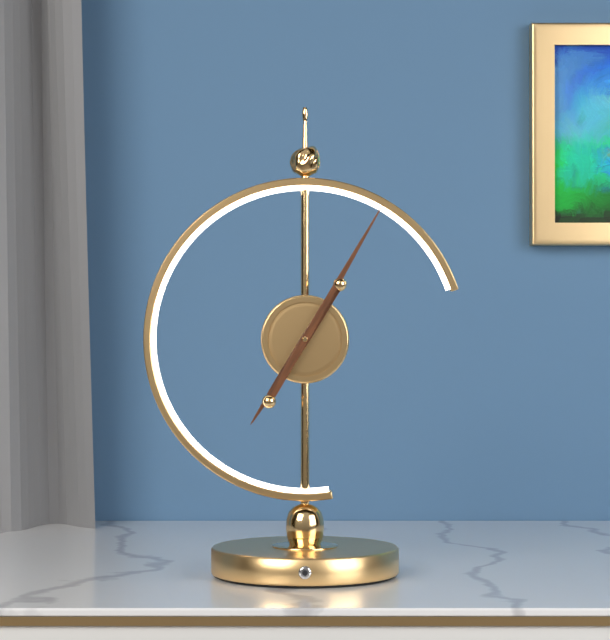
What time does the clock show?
7:05
